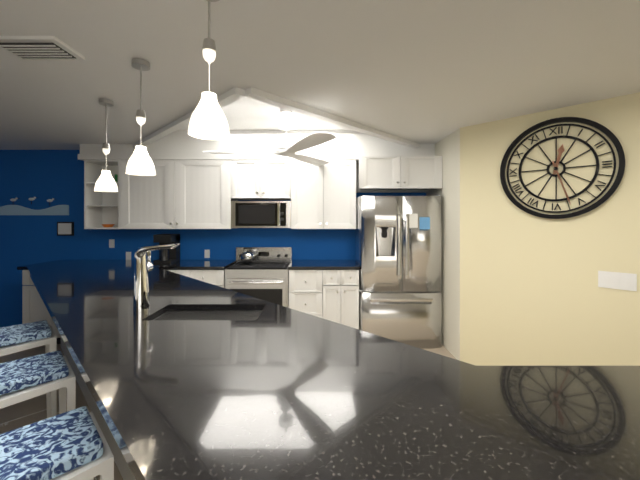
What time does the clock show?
12:27
